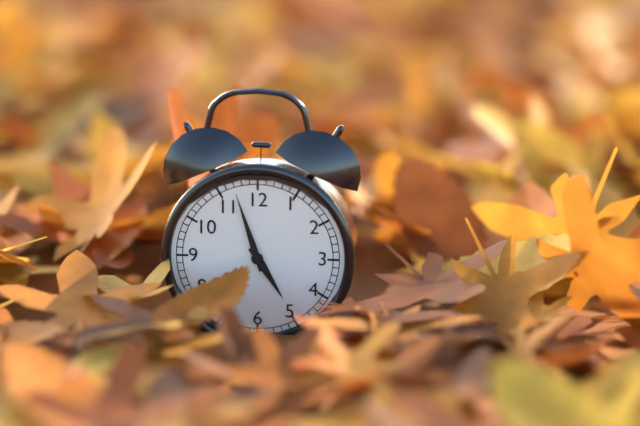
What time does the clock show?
4:57
